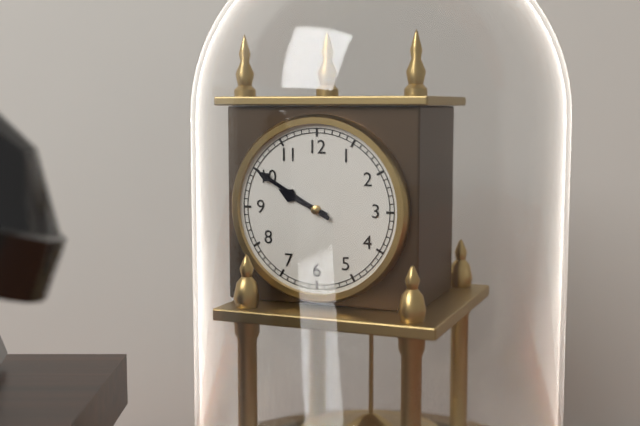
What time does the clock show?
9:50
